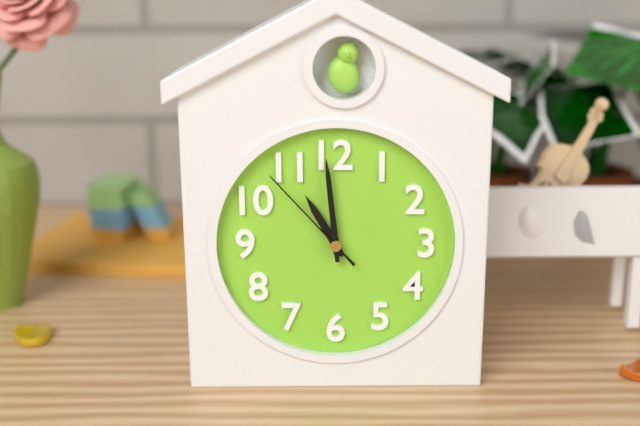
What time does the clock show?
10:59:53
